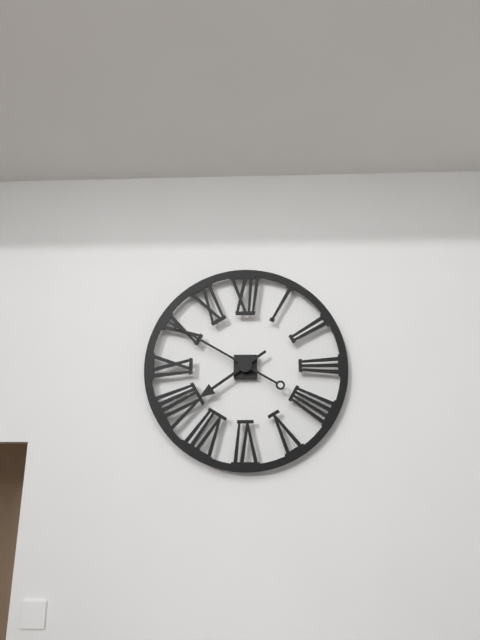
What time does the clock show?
7:50
